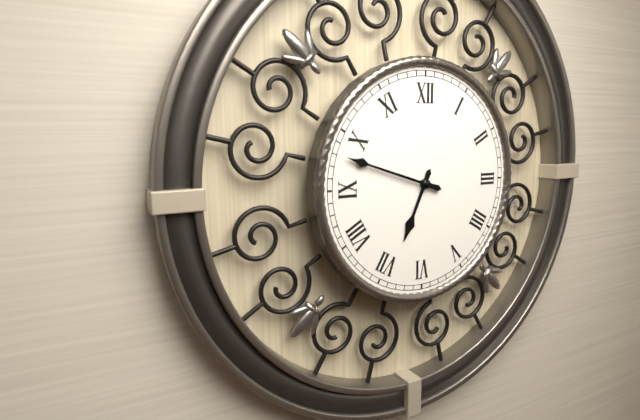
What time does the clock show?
6:48
